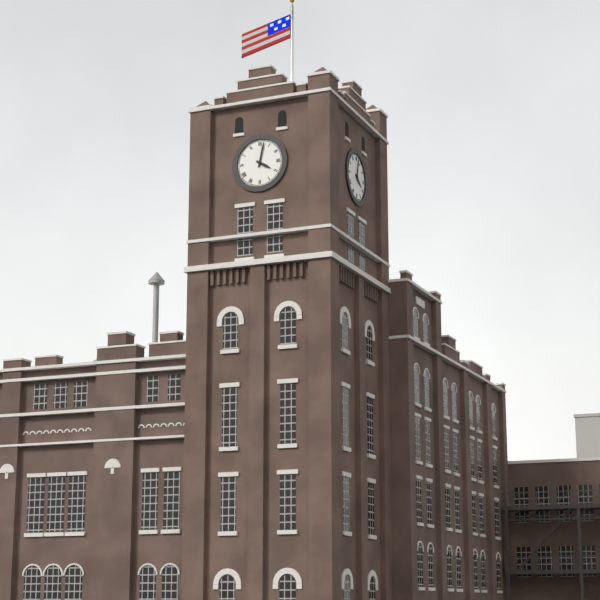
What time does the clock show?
4:02
